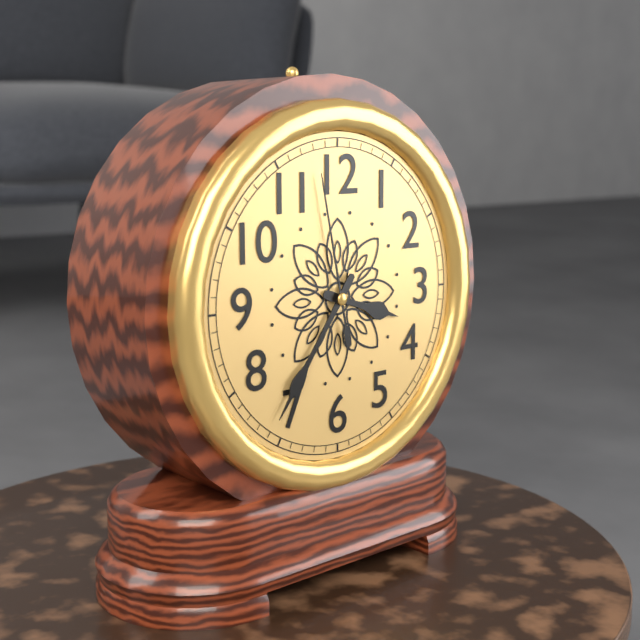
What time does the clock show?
3:36:58
